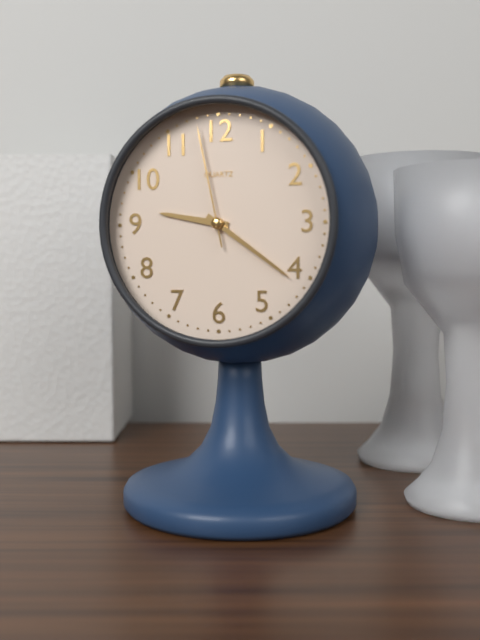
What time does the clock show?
9:21:58
